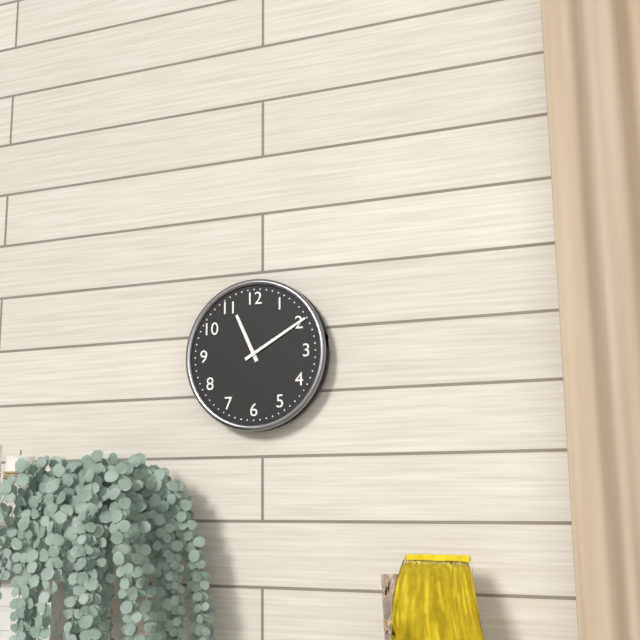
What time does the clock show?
11:10
